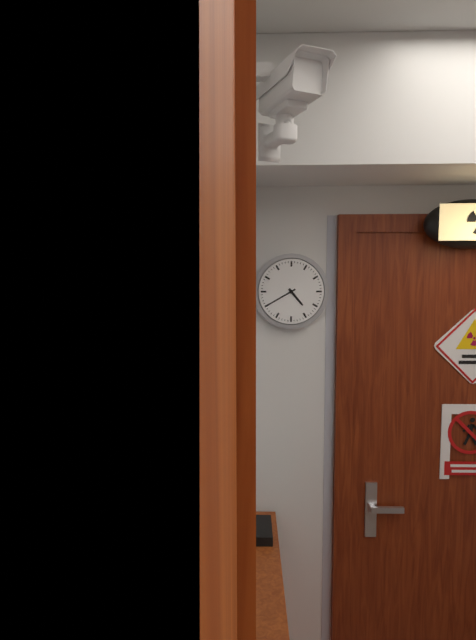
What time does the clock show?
4:40
